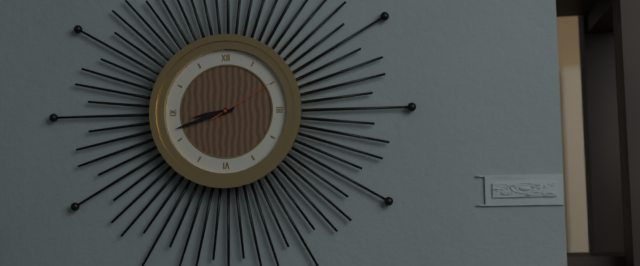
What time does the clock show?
8:42:10
